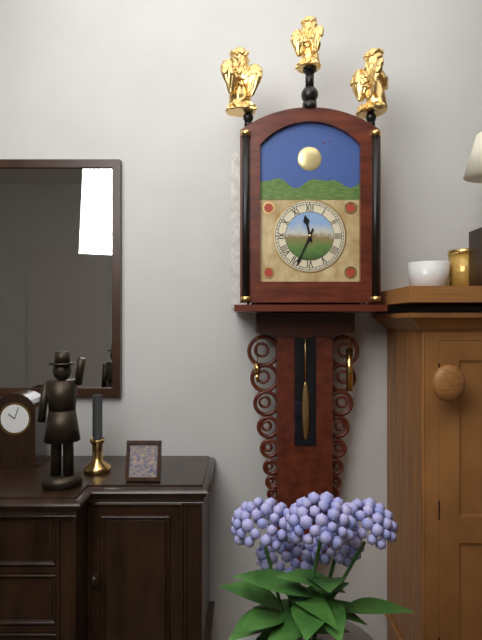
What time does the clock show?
11:34
